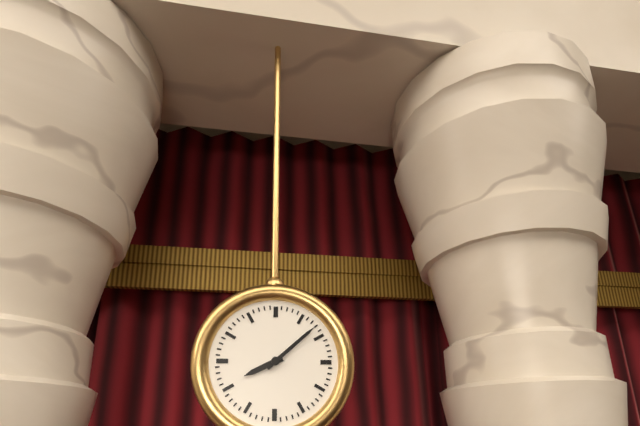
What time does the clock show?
8:08
